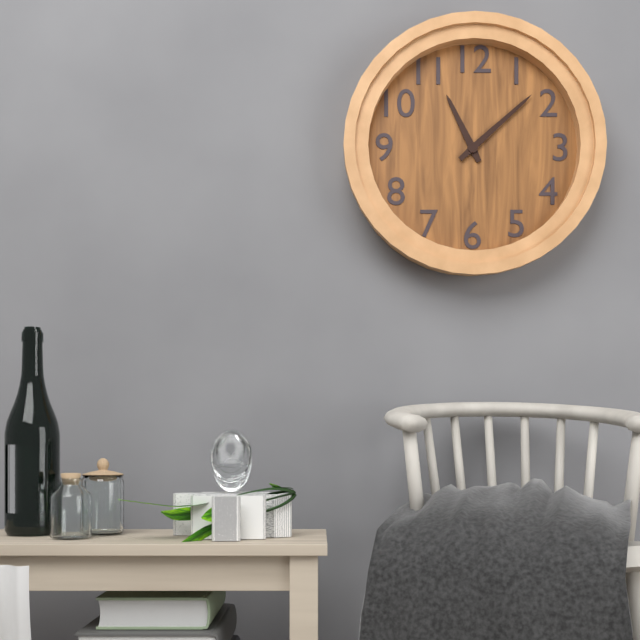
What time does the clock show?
11:08
